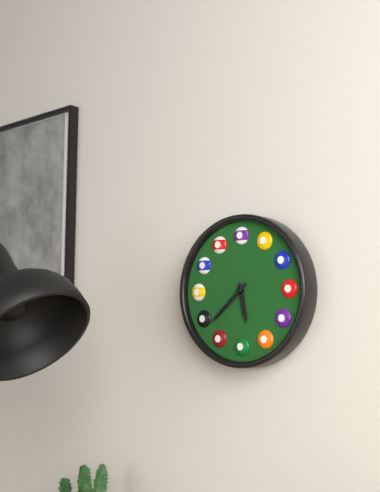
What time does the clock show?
5:38
